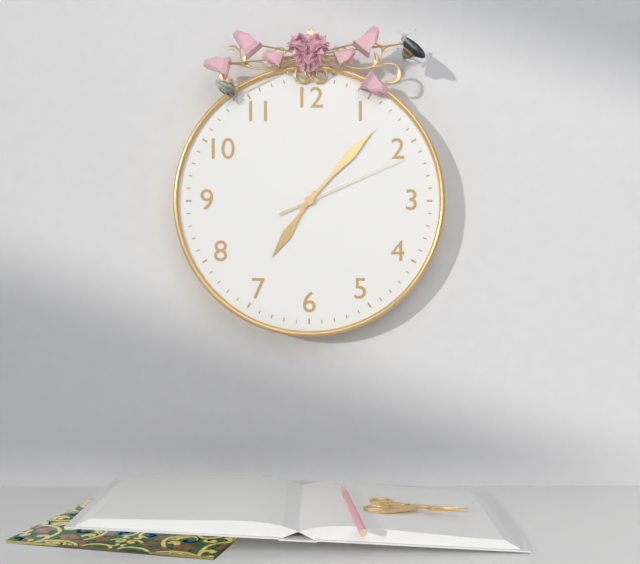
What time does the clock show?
7:07:11
